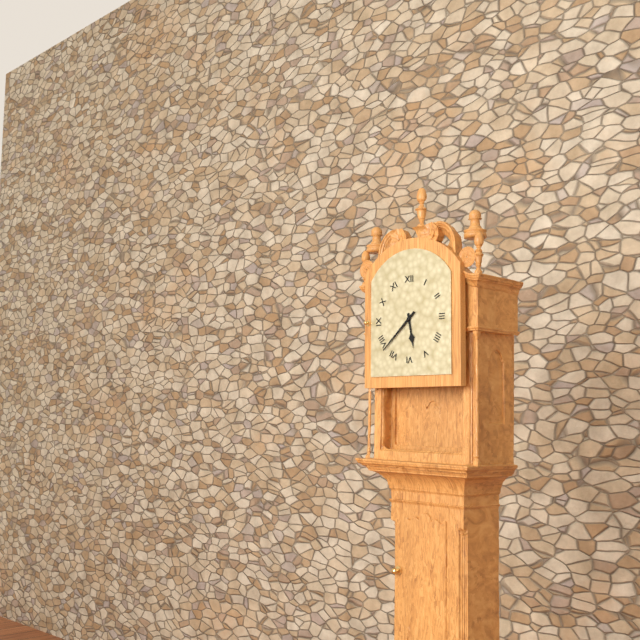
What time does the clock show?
5:38
